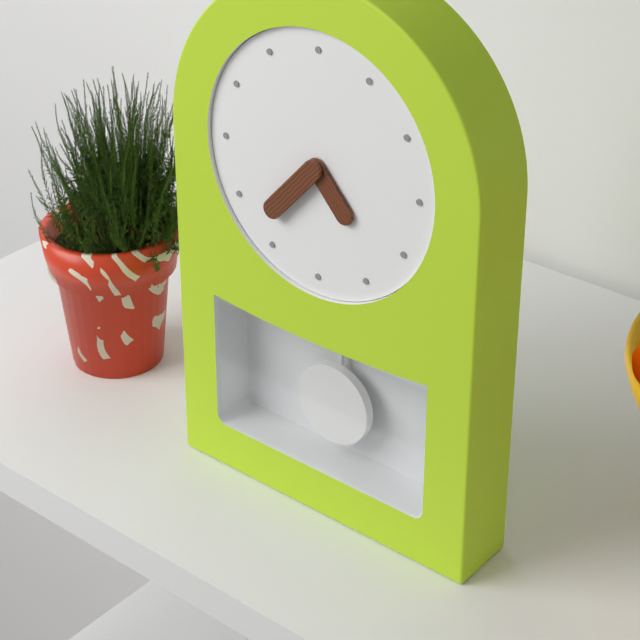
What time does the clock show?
4:37
